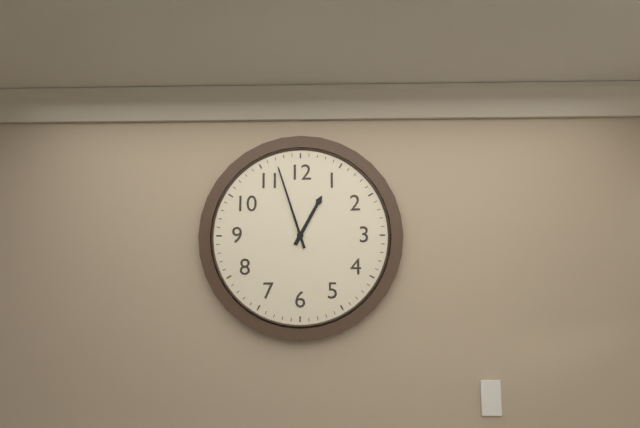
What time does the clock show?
12:57
